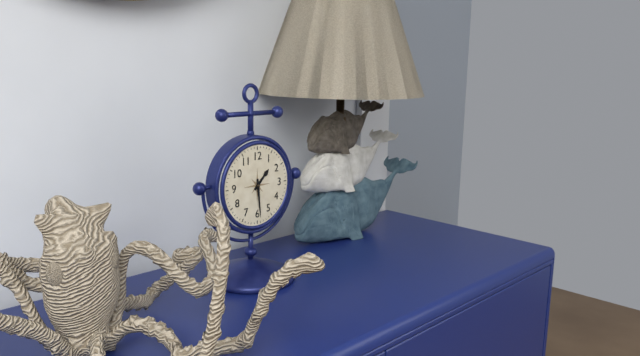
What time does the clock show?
1:29
